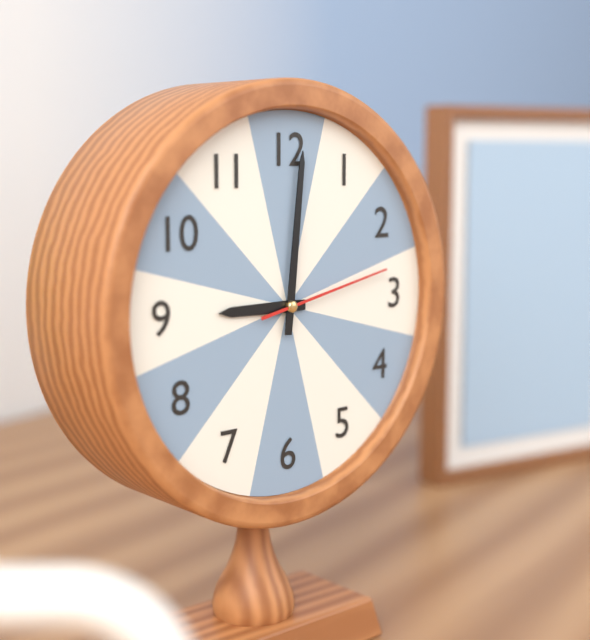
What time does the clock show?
9:01:13
